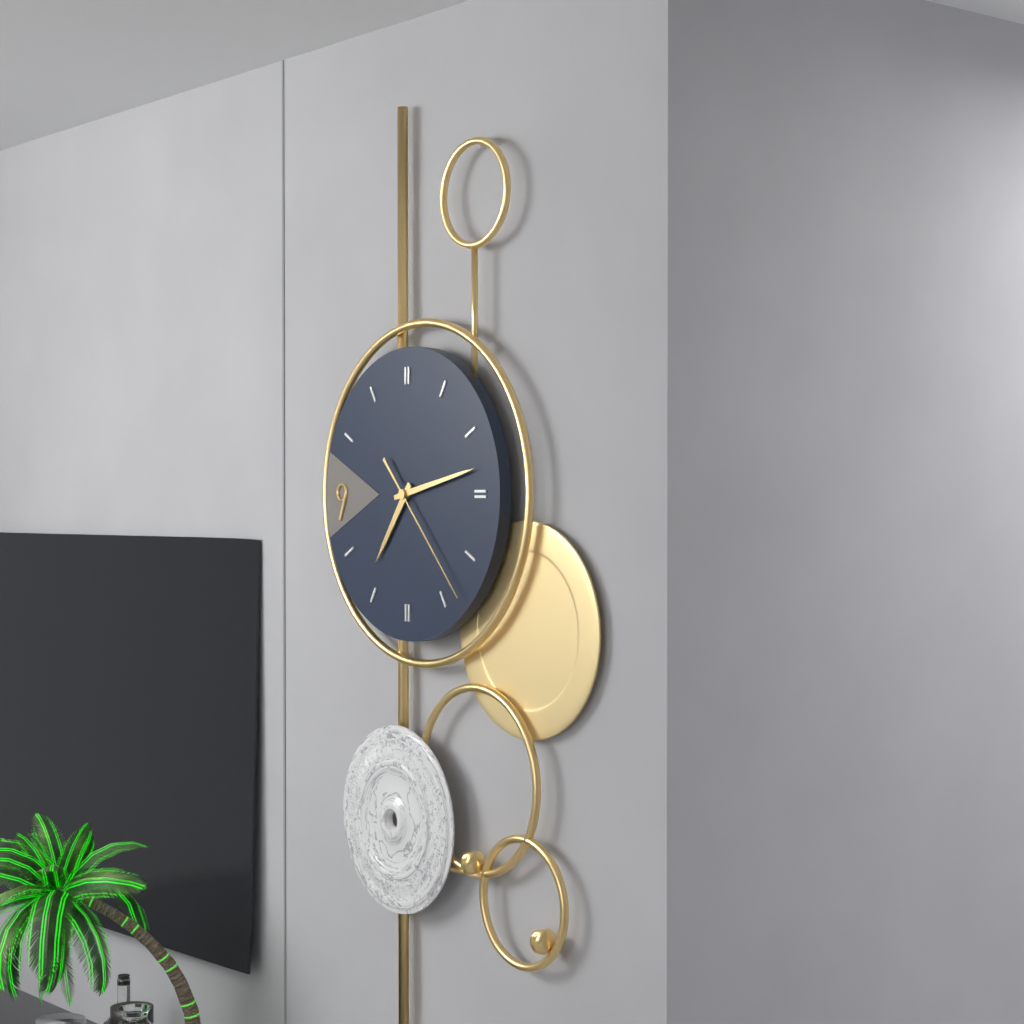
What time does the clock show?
7:13:23
